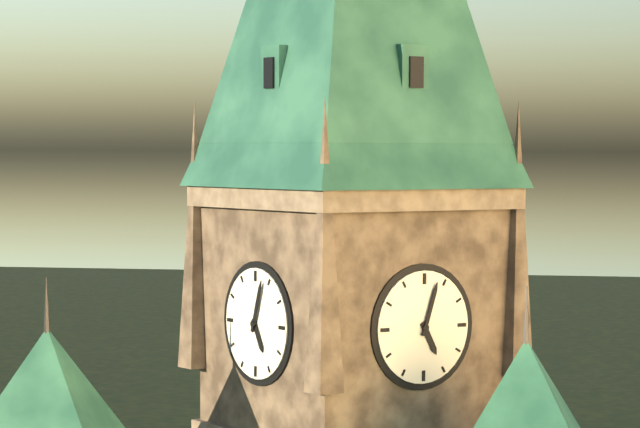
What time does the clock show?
5:03
